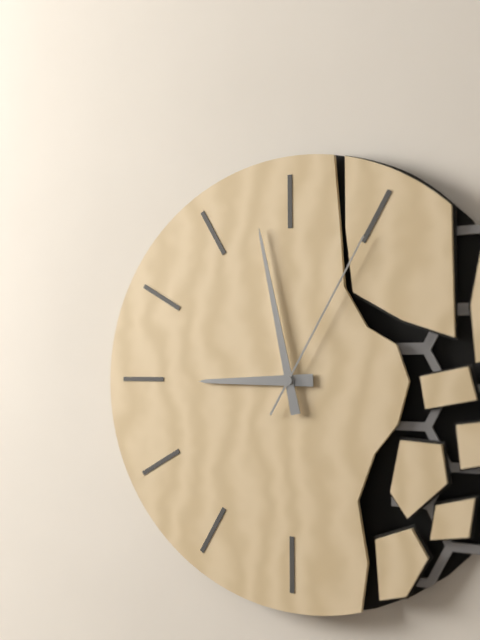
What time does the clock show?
8:58:05
